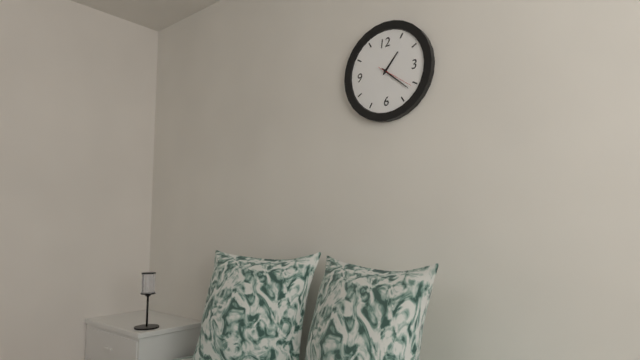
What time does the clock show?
1:22
